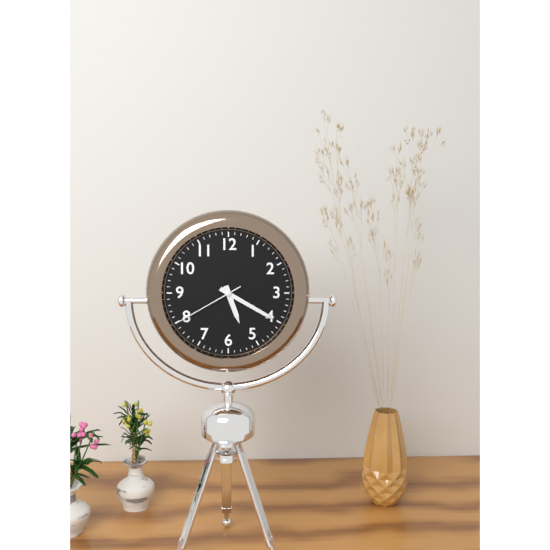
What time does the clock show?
5:20:40
